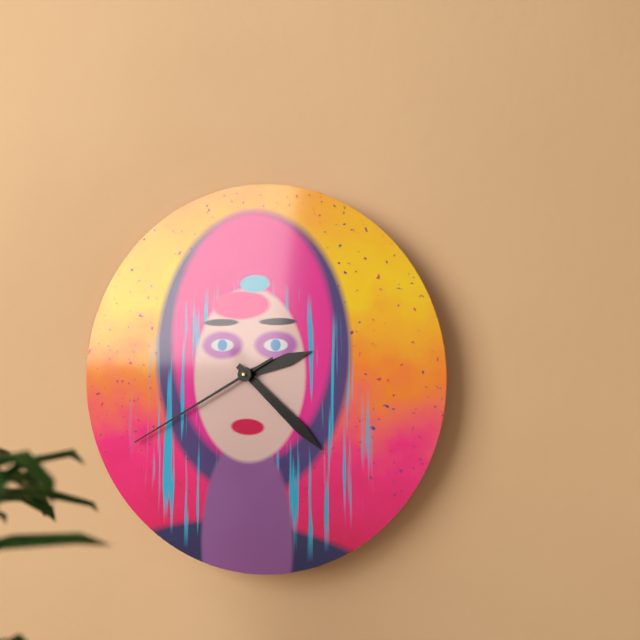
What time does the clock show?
2:22:40
